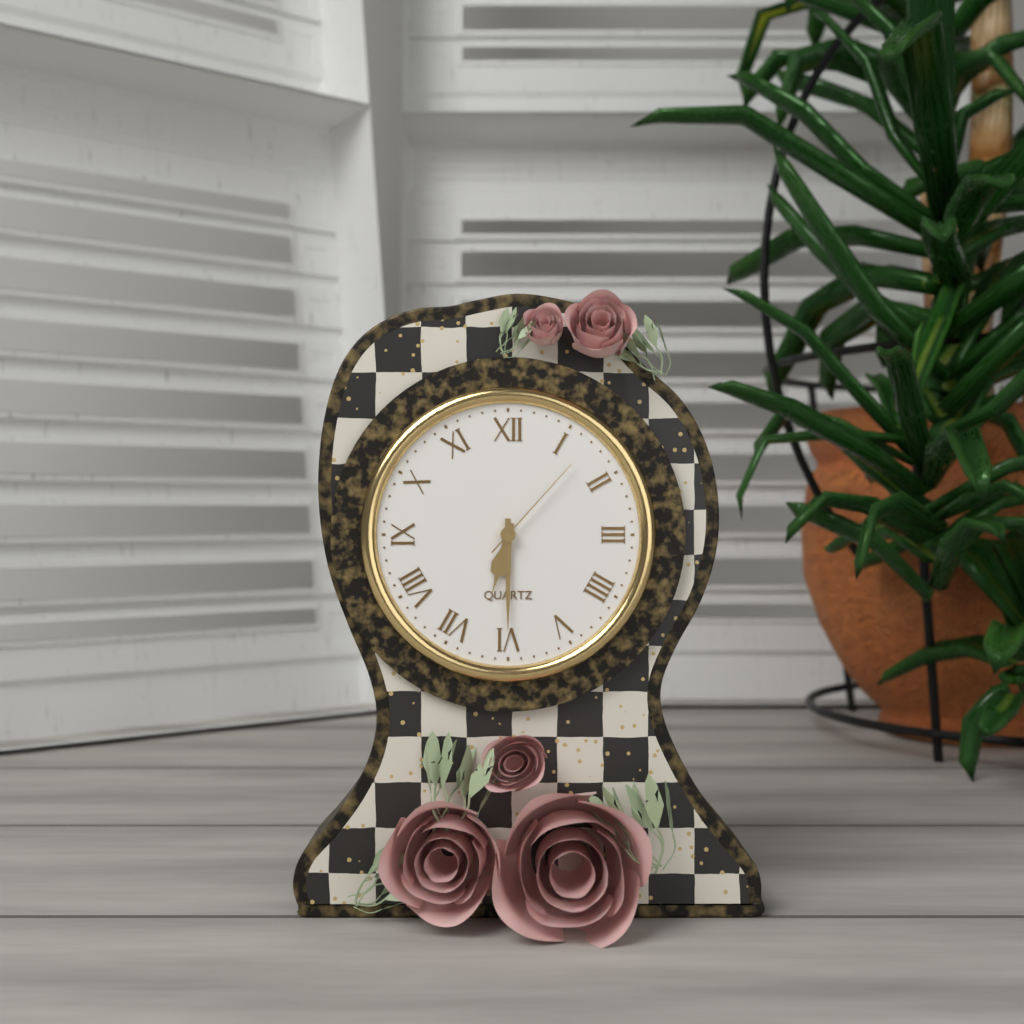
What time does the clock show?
6:30:07
